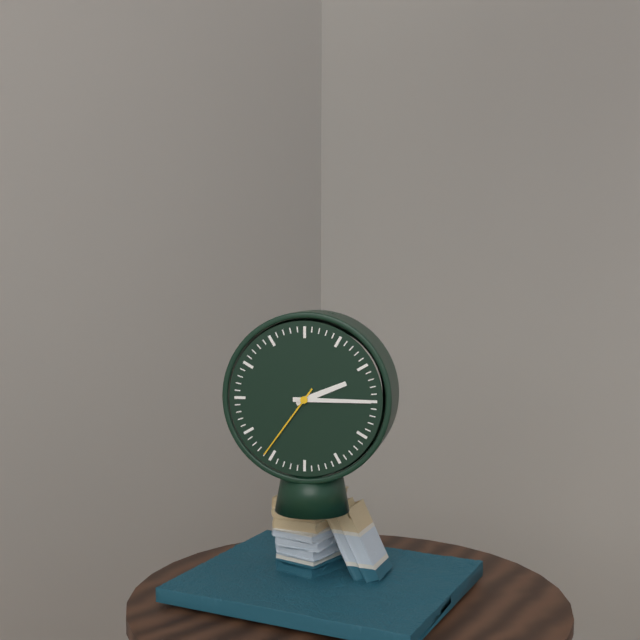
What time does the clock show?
2:15:36
